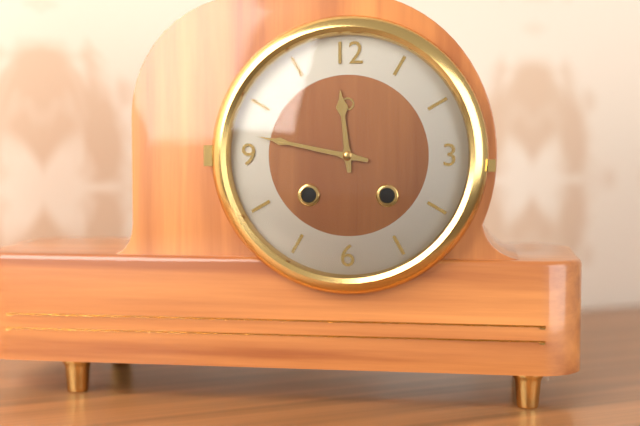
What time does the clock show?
11:47
